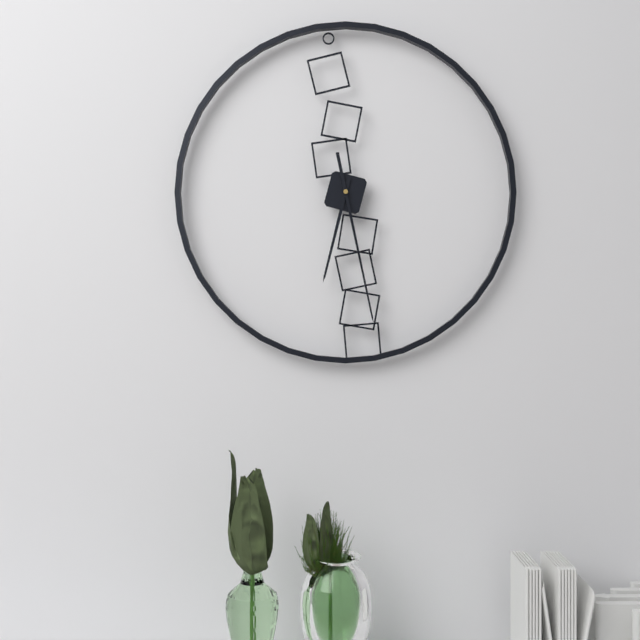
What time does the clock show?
6:28
